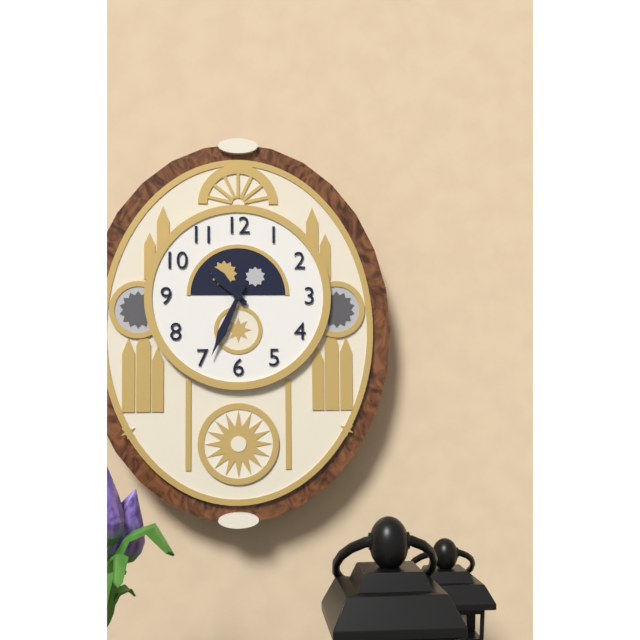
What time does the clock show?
10:34
